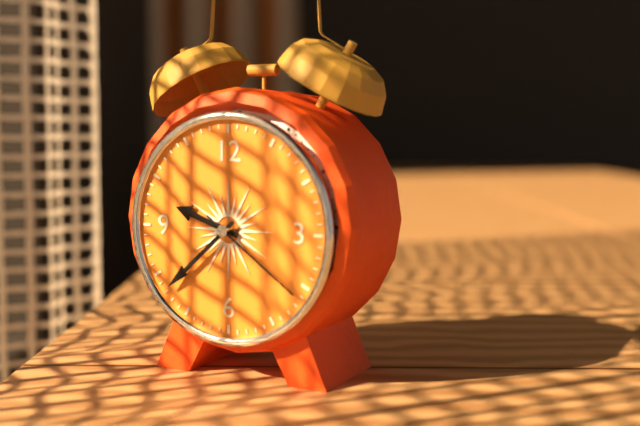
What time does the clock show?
9:38:21
